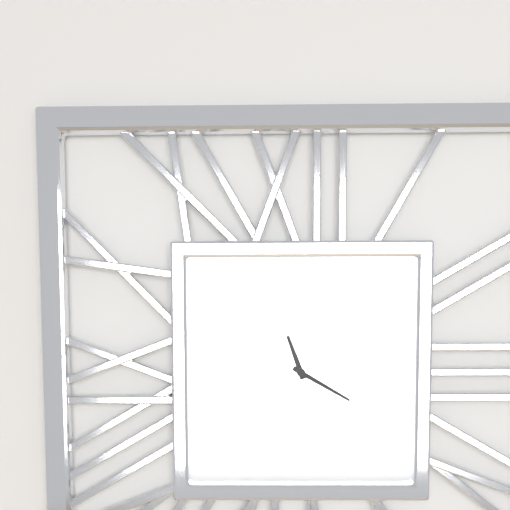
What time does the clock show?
11:20
